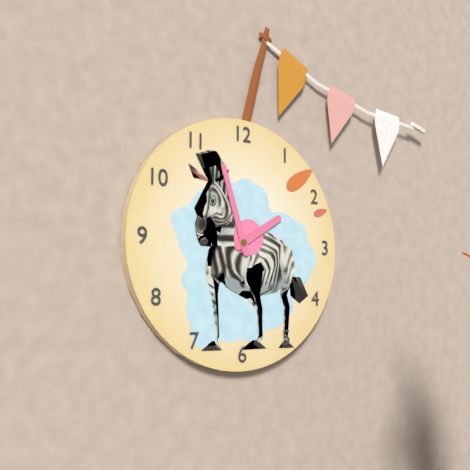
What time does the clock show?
1:57
